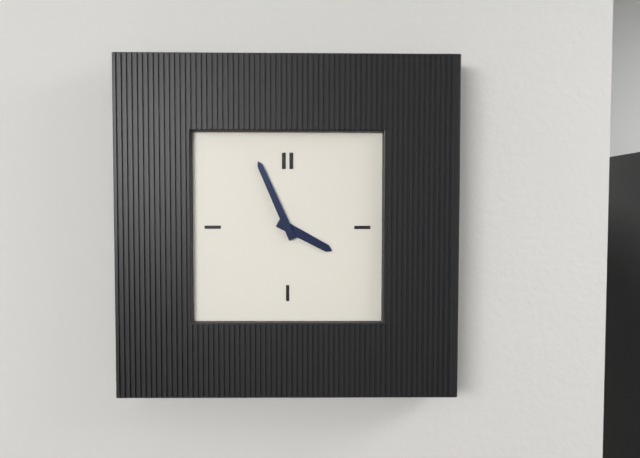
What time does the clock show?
3:56
